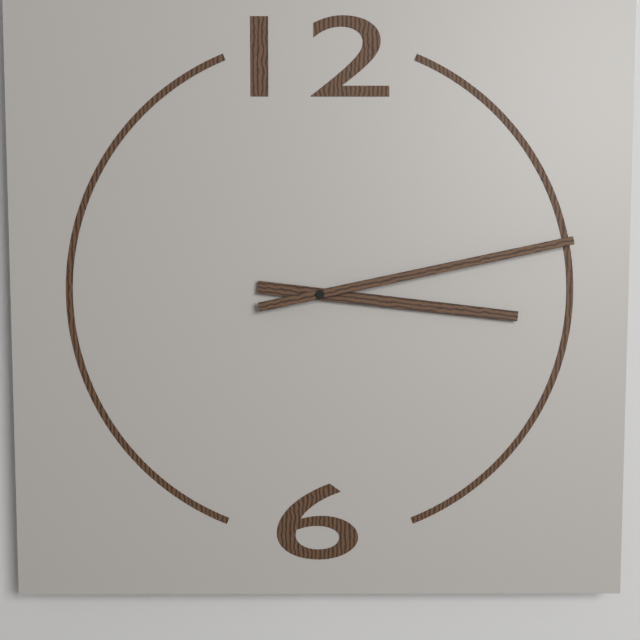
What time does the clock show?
3:13
